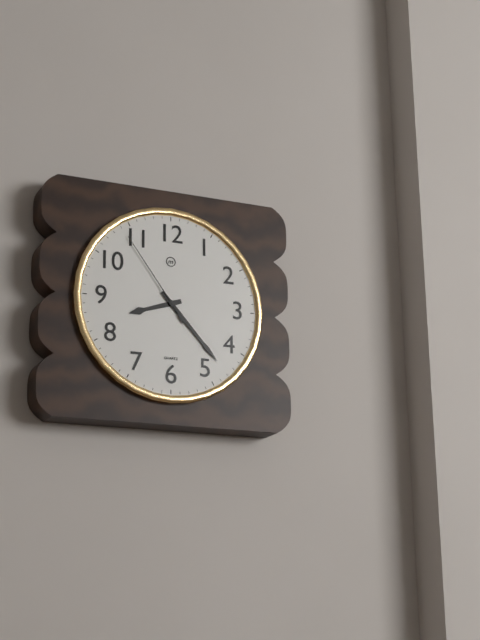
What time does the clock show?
8:23:54
